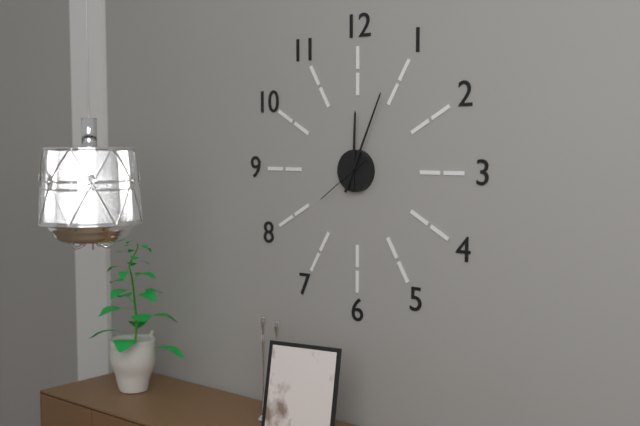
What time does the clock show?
12:04:39
